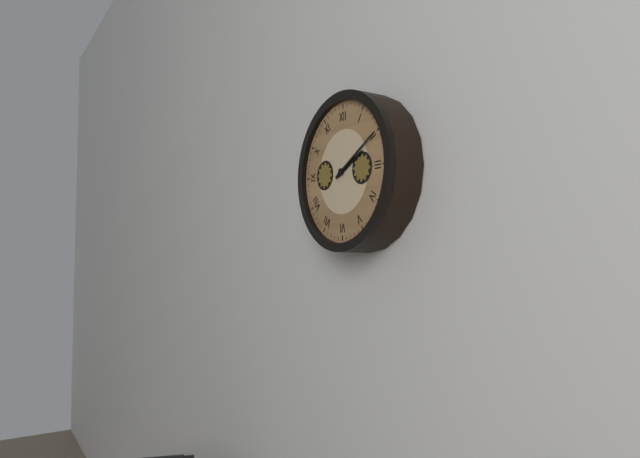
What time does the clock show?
2:10
